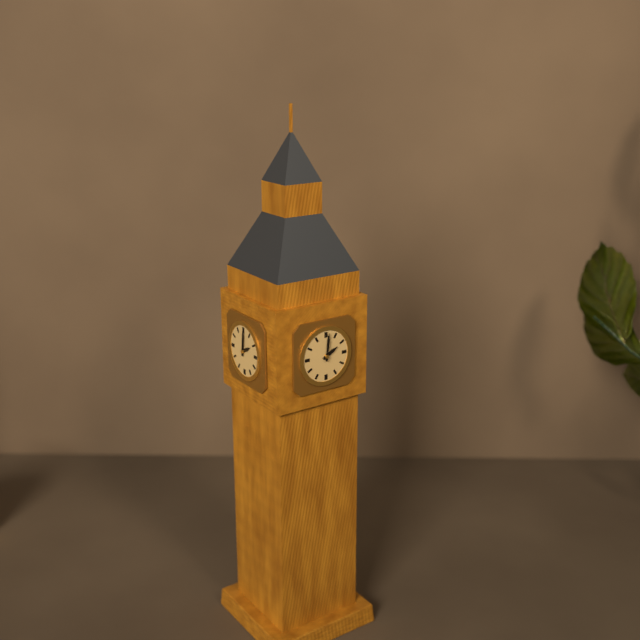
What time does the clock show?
2:01
